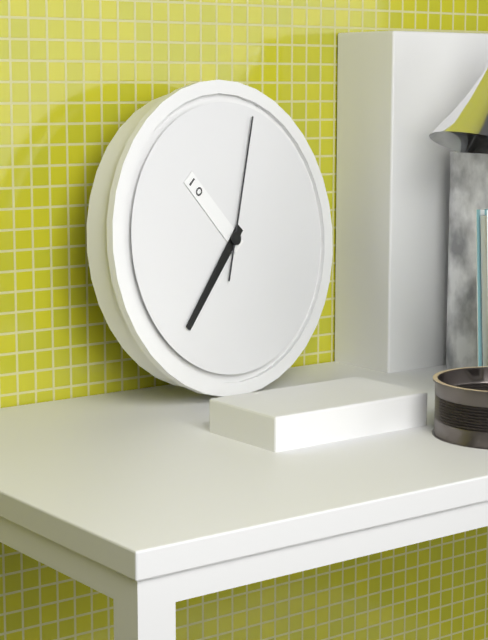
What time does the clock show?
10:37:03
